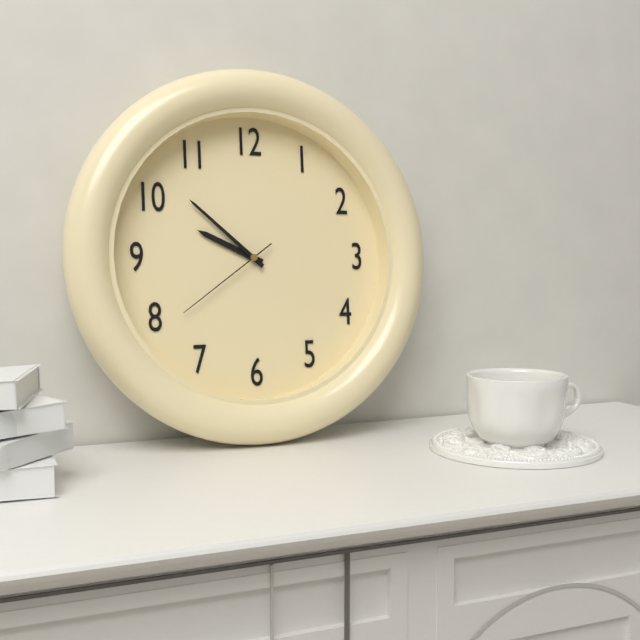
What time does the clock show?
9:52:39
